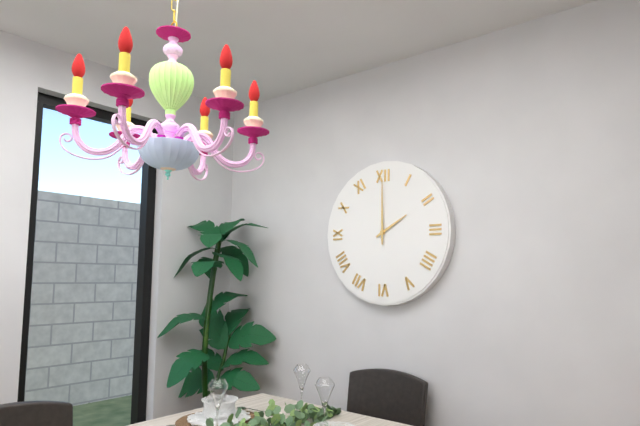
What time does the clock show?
2:00
